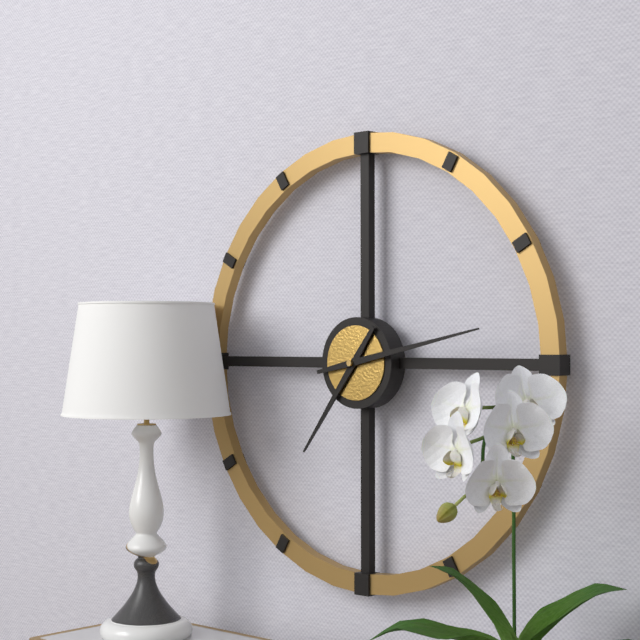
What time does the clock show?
7:13
